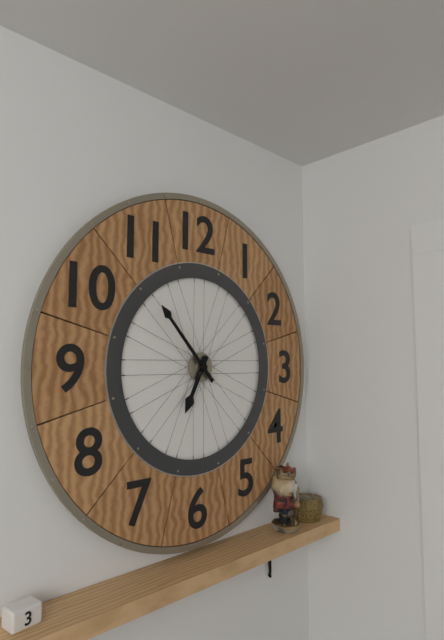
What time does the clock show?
6:53
